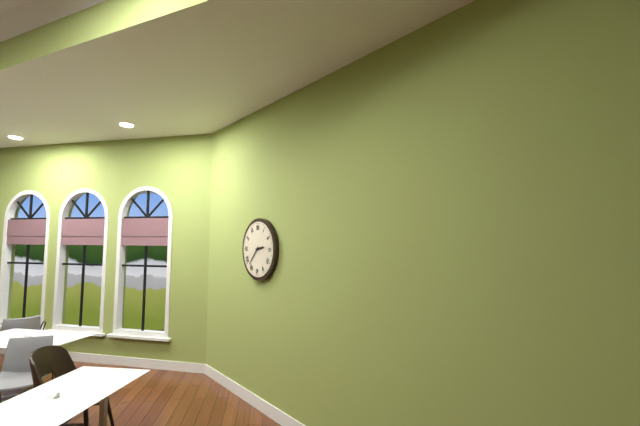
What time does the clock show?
2:37
